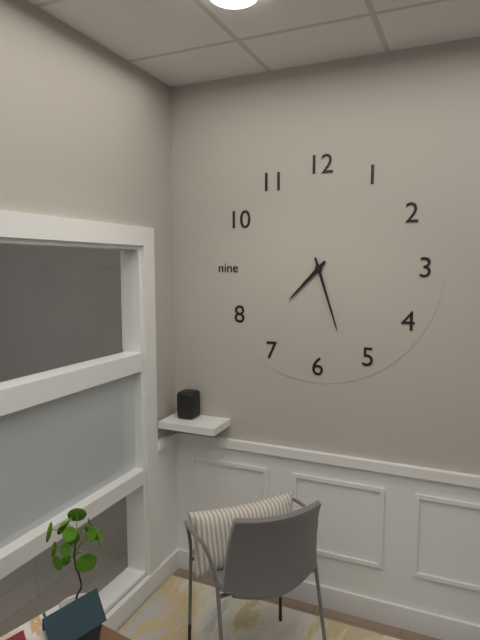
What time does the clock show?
7:27
